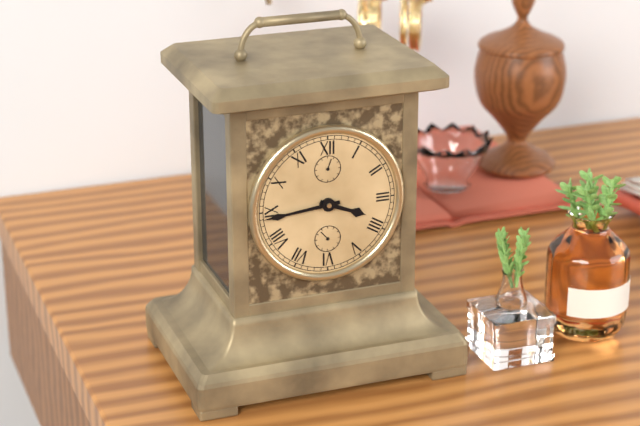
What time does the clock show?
3:44
